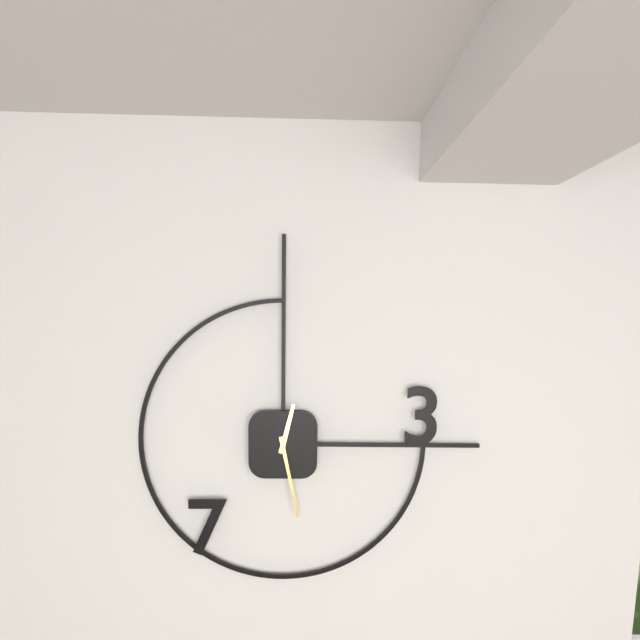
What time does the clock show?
12:28
